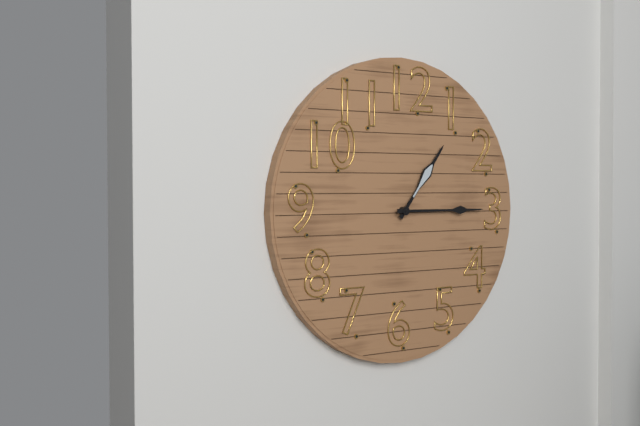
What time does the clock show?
1:15
